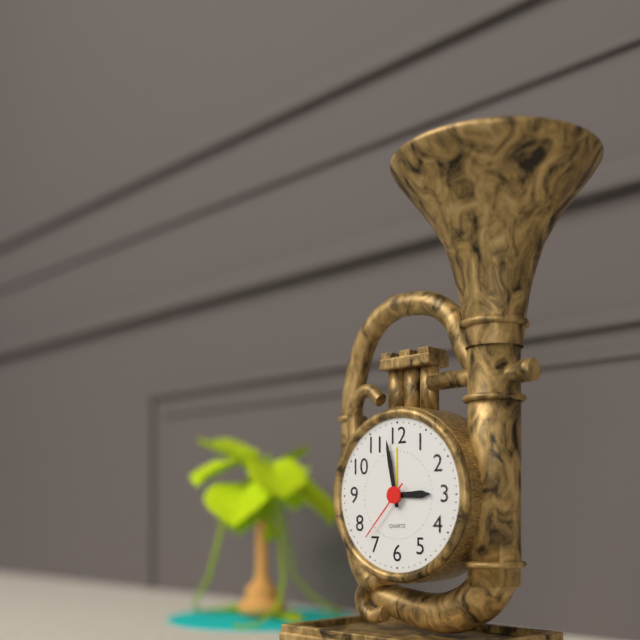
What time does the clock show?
2:58:37
